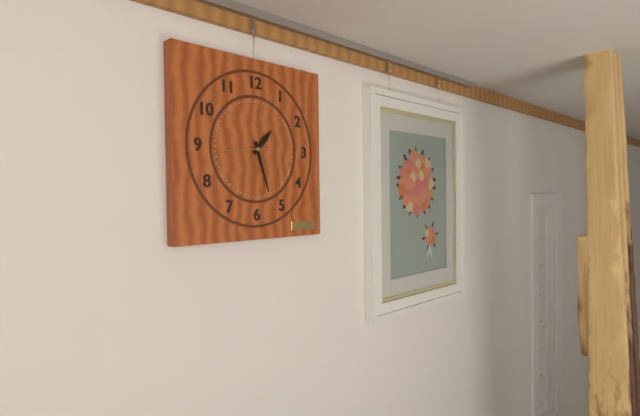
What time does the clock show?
1:27
